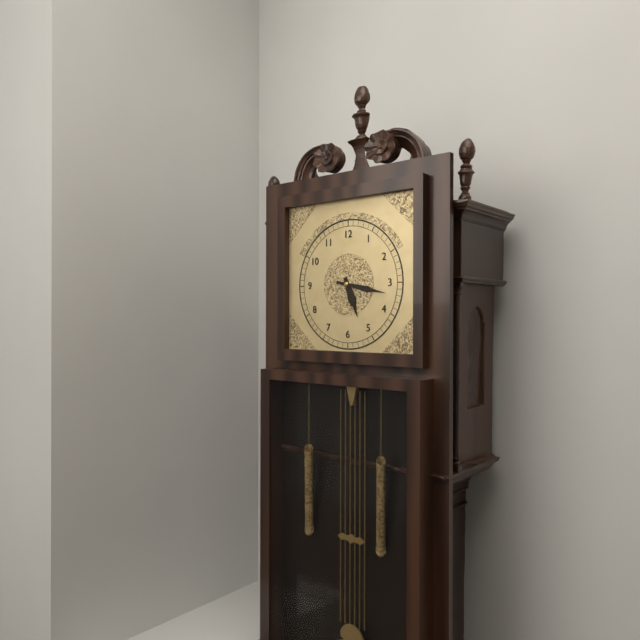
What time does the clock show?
5:17
